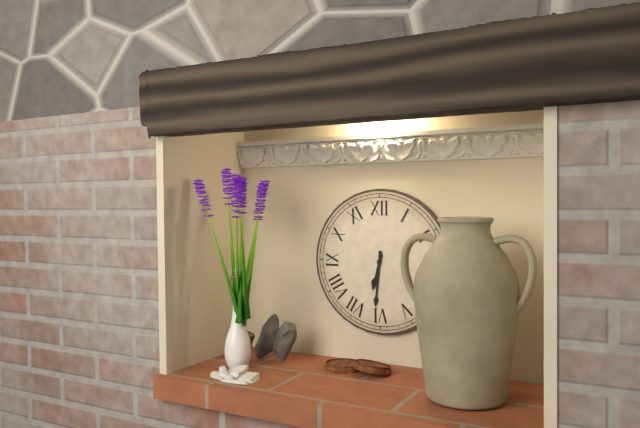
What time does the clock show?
6:31
